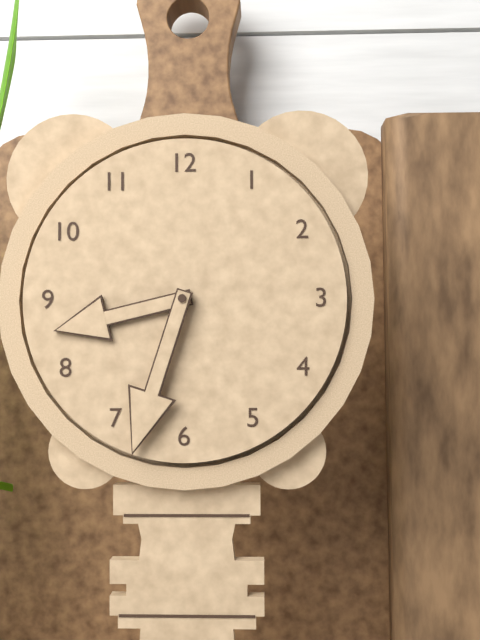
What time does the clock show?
8:33
